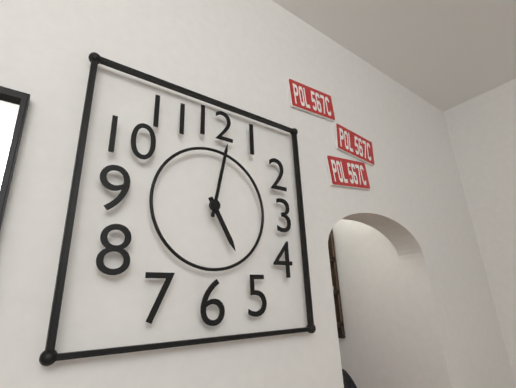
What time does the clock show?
5:02
